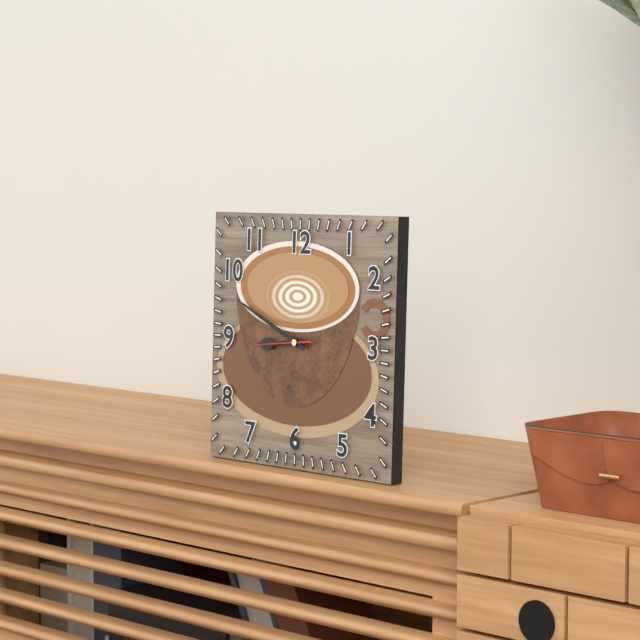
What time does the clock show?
8:49:44
